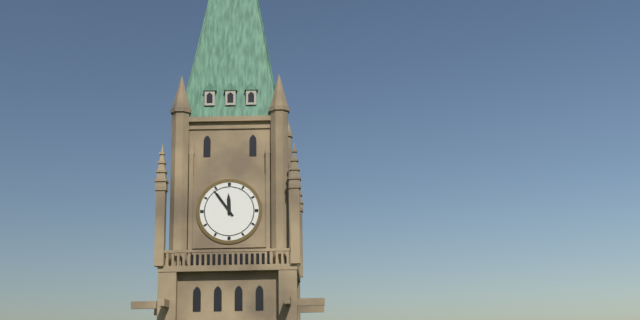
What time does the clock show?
11:54
